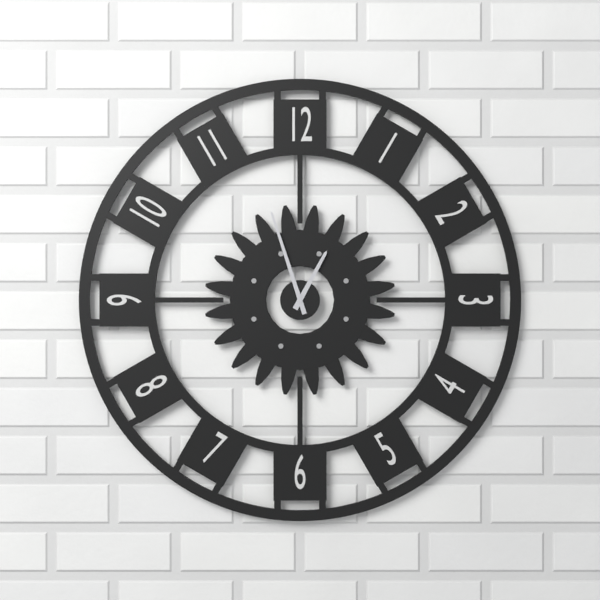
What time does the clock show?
12:57
